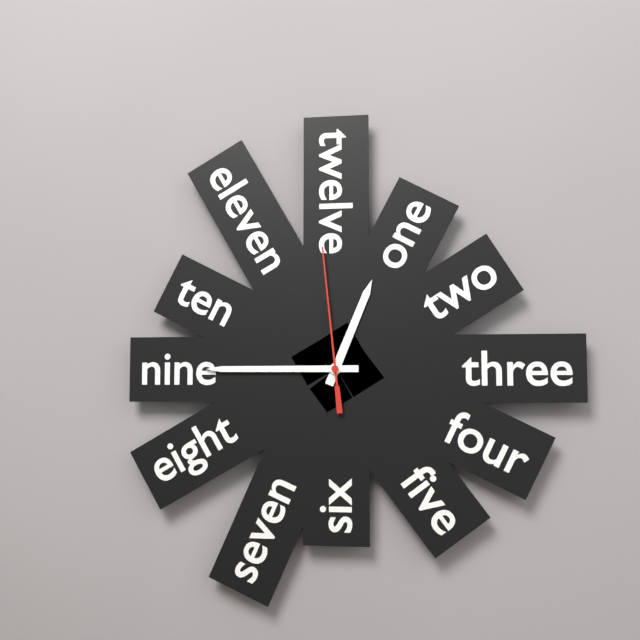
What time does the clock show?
12:45:59
